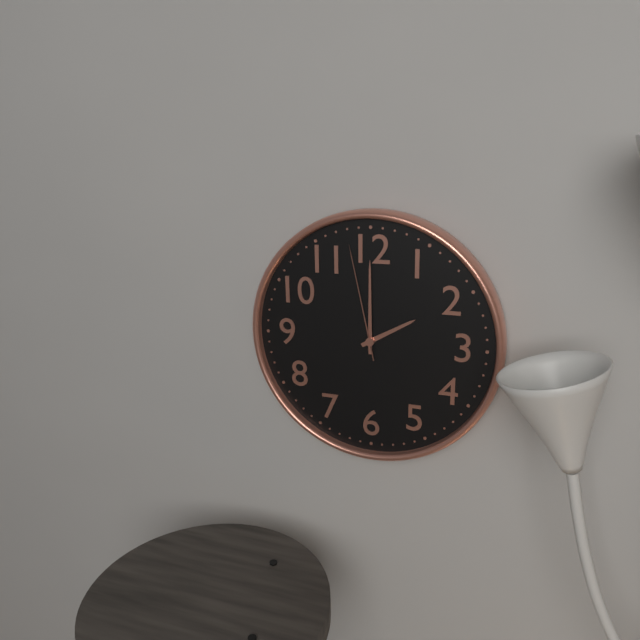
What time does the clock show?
2:00:58
